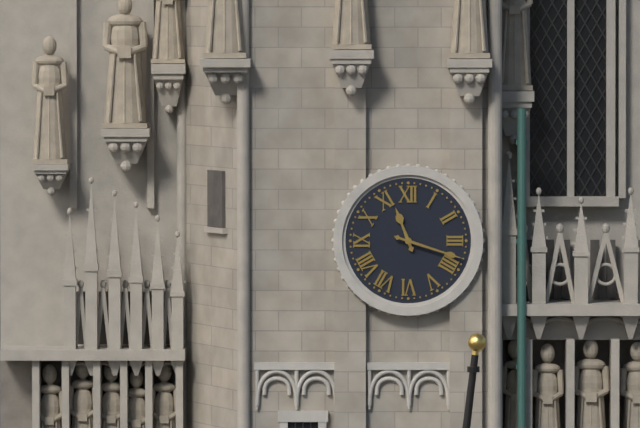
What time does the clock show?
11:18
